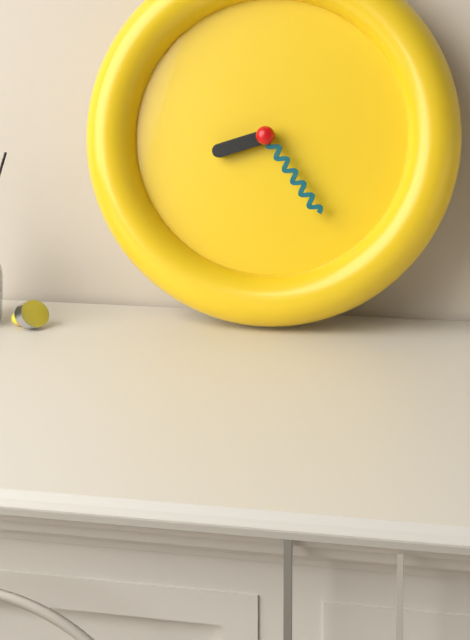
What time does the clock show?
8:24
